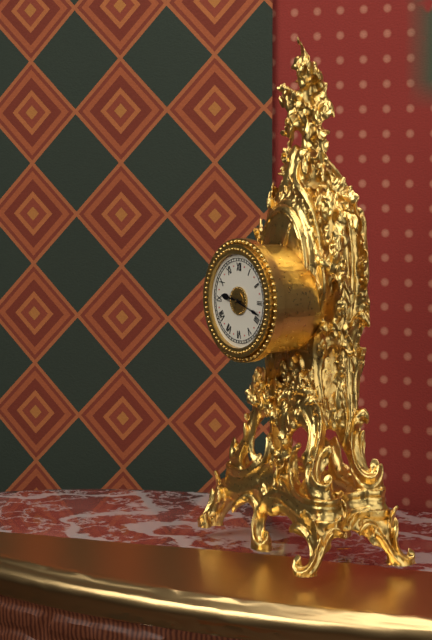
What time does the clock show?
9:18
